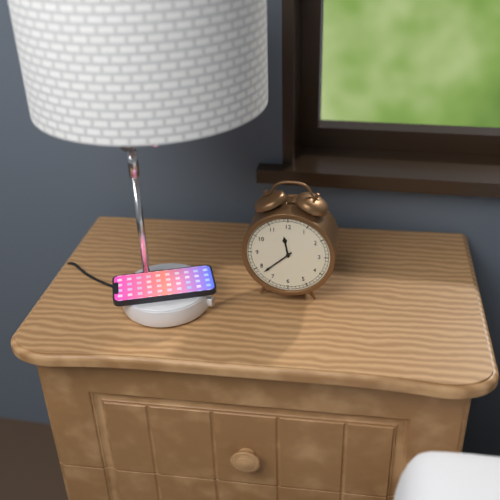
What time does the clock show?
11:38
